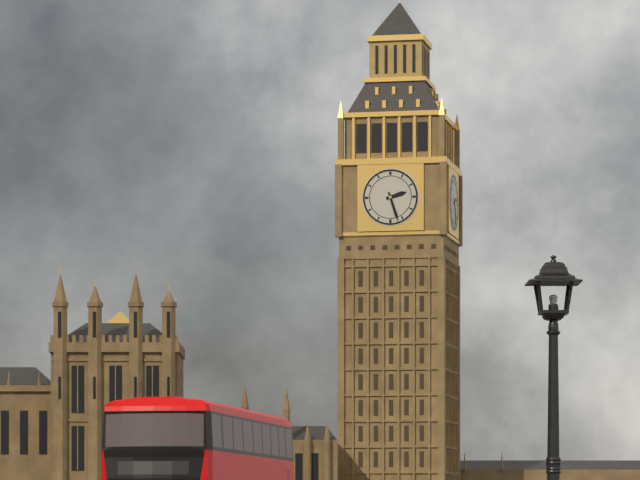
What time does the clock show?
2:27
